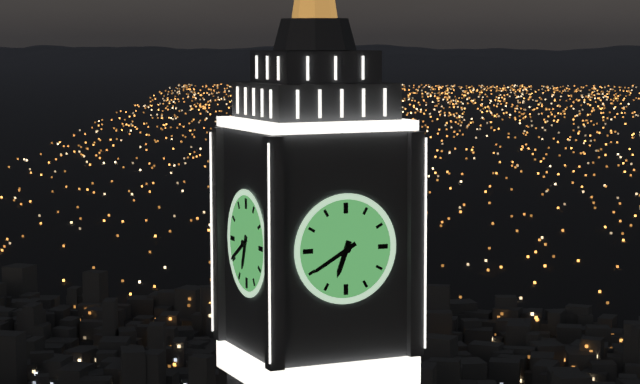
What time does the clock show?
6:40
